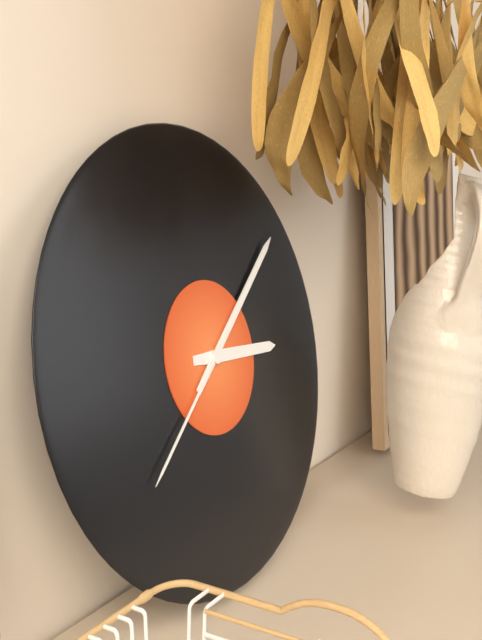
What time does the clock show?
3:09:39
